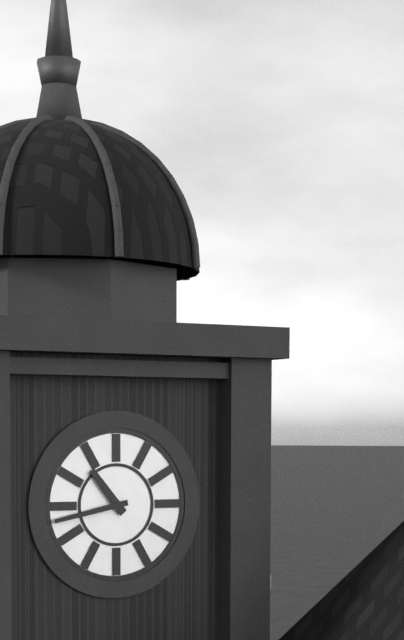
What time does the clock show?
10:43
